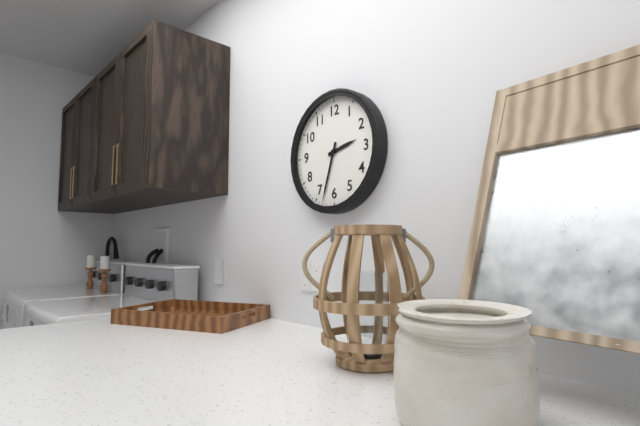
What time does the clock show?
2:33
